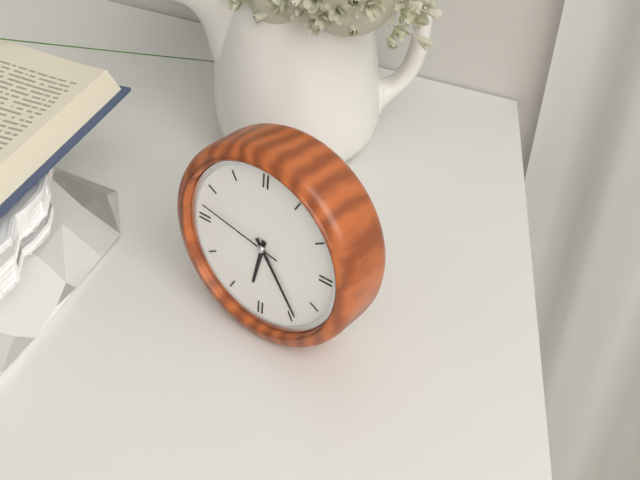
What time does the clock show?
6:24:47
